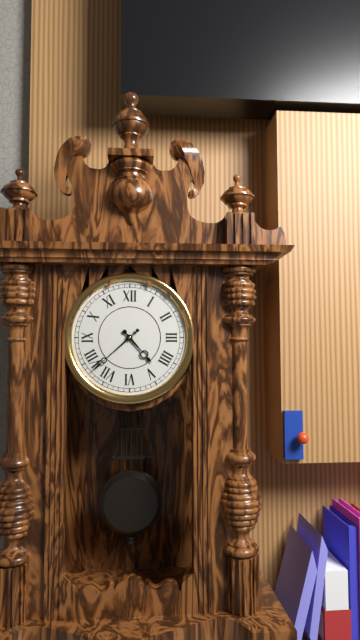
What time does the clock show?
4:38
